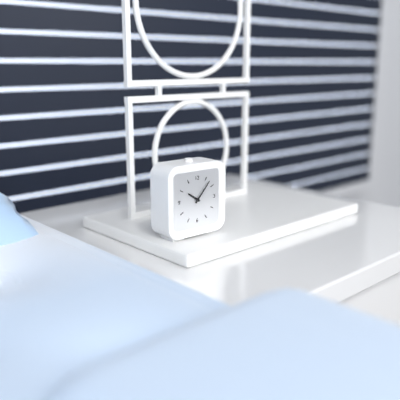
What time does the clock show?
10:07
